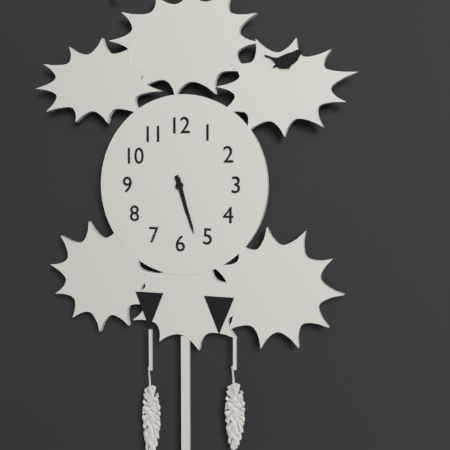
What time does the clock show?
5:27
